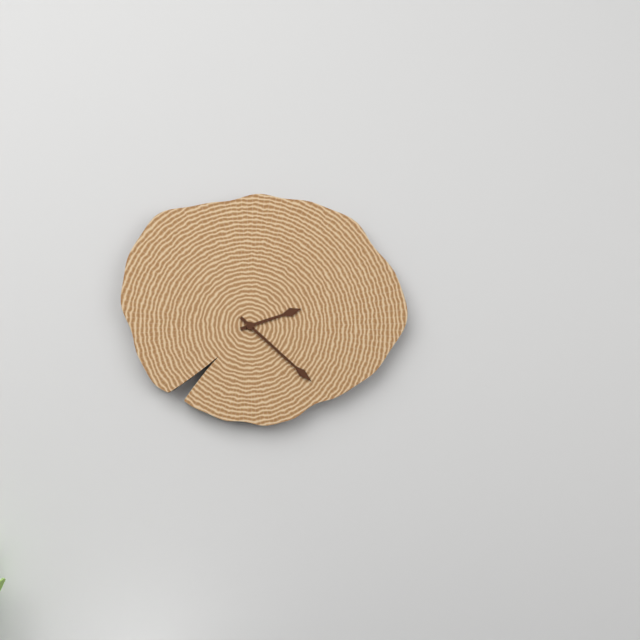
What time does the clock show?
2:22
